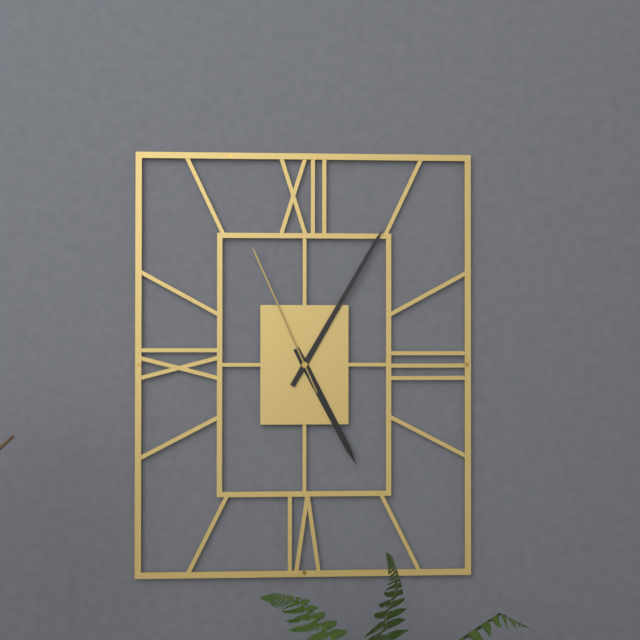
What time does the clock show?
5:05:56
